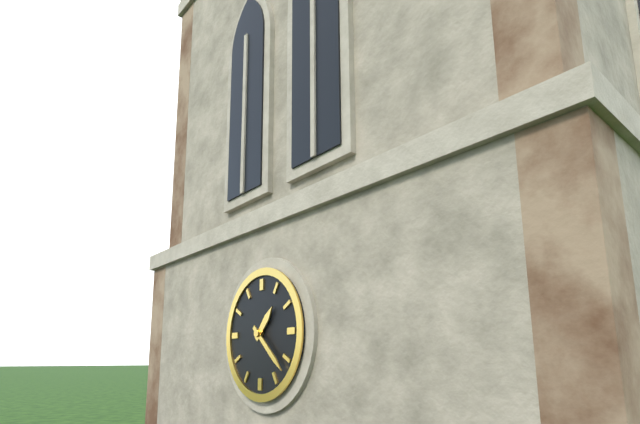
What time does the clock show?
1:22
